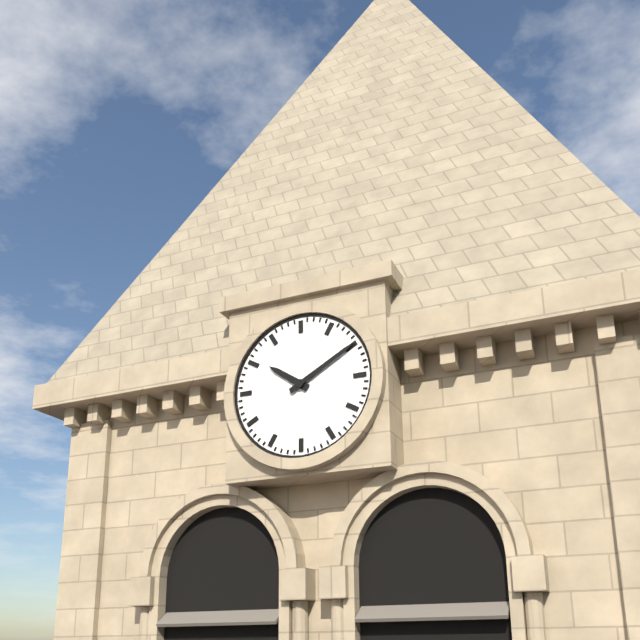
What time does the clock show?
10:10
